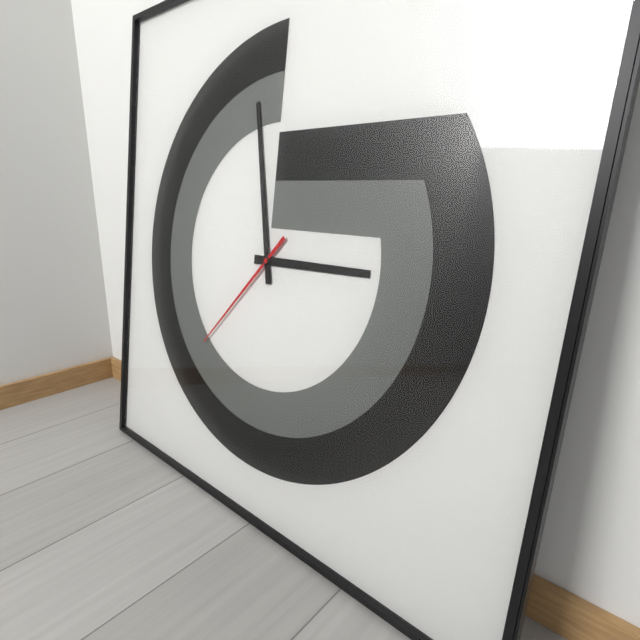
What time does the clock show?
2:58:37
